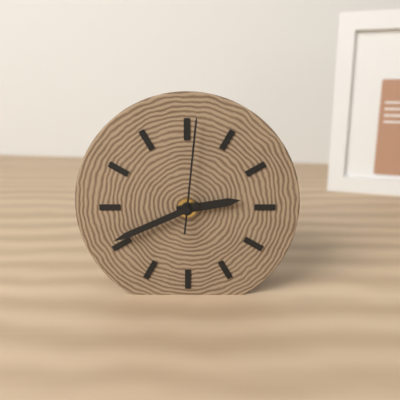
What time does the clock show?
2:41:01
